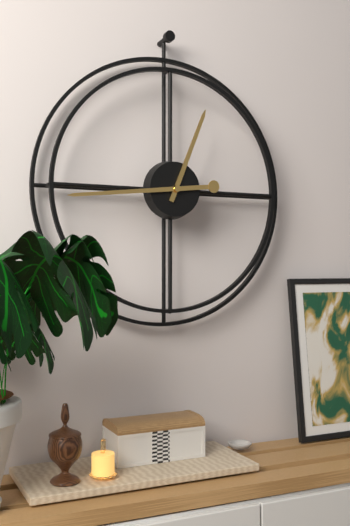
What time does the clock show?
12:44
